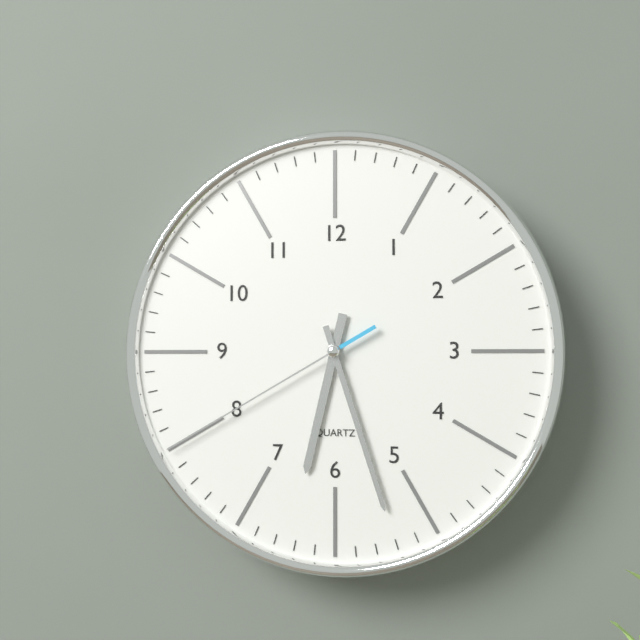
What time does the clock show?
6:27:40
